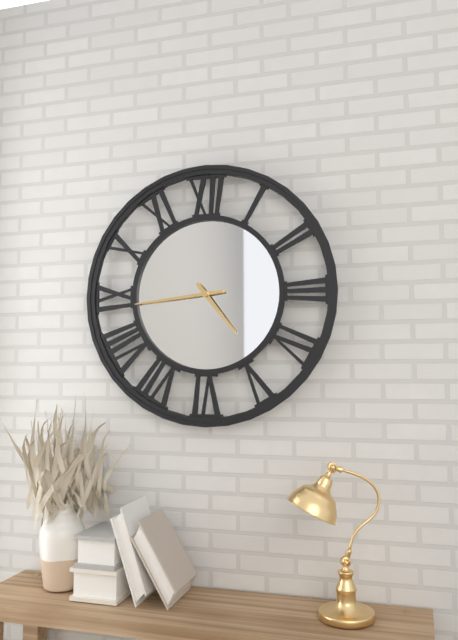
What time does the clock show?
4:44
